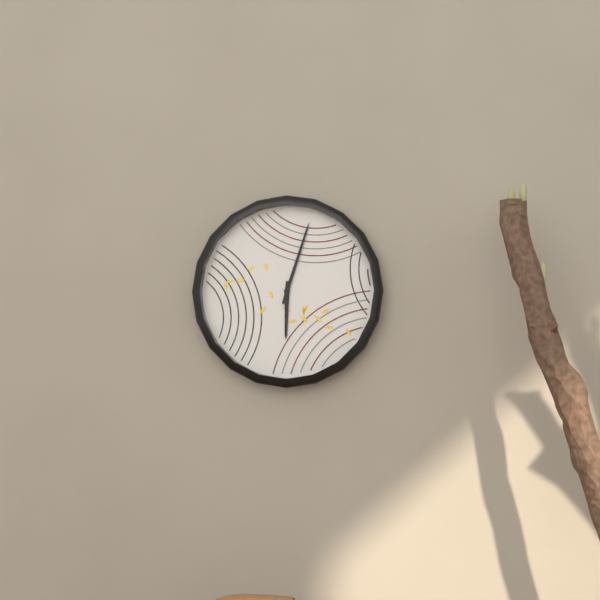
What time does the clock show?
6:03
